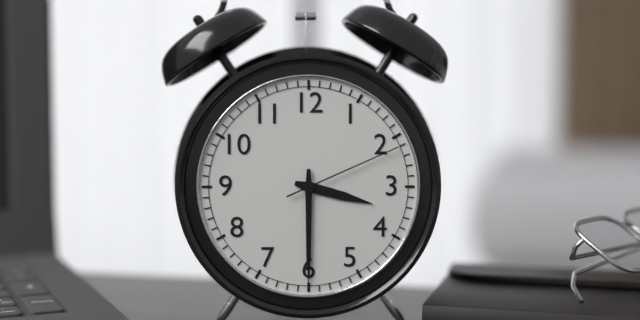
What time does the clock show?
3:30:11
